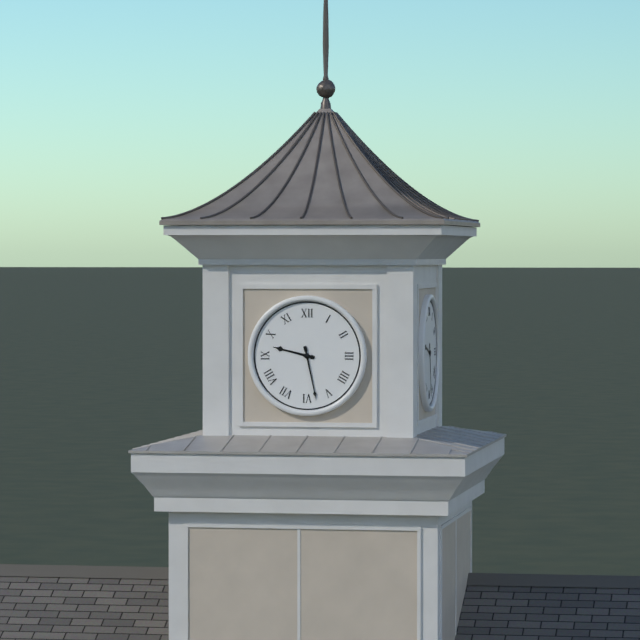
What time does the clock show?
9:28
